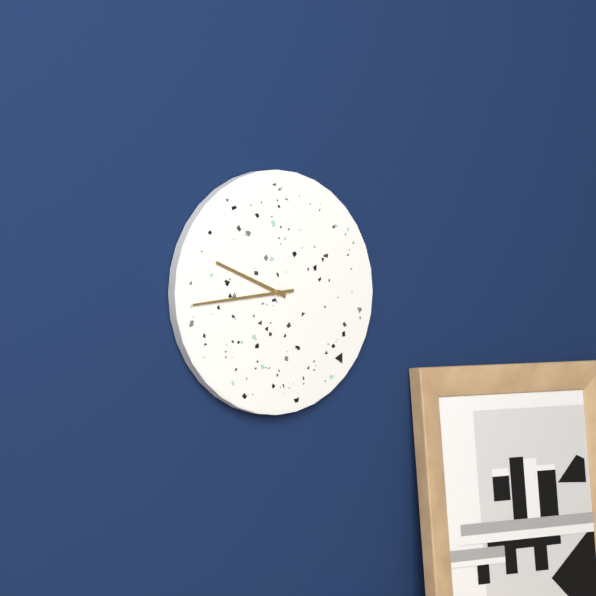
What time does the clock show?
9:44
